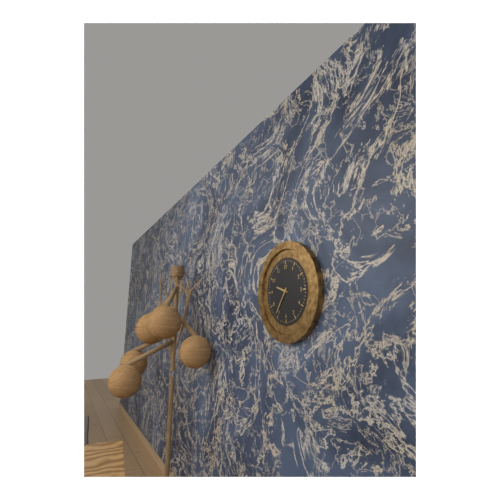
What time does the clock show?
9:36
